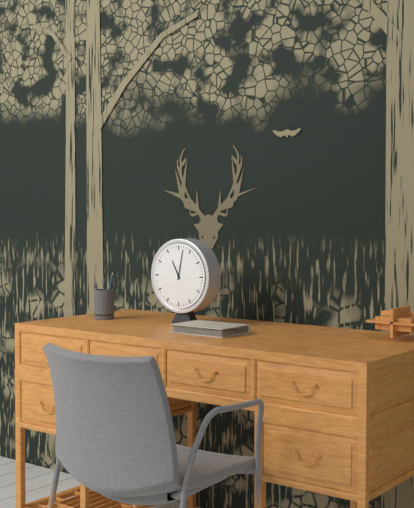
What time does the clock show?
11:02
